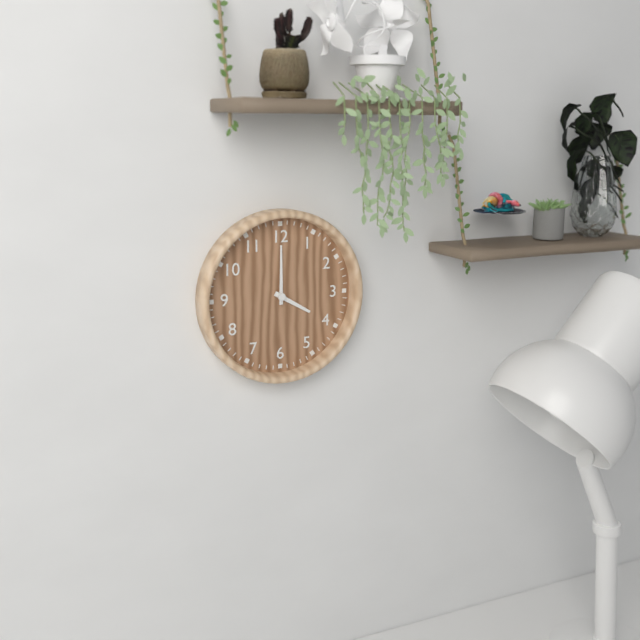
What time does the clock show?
4:00
